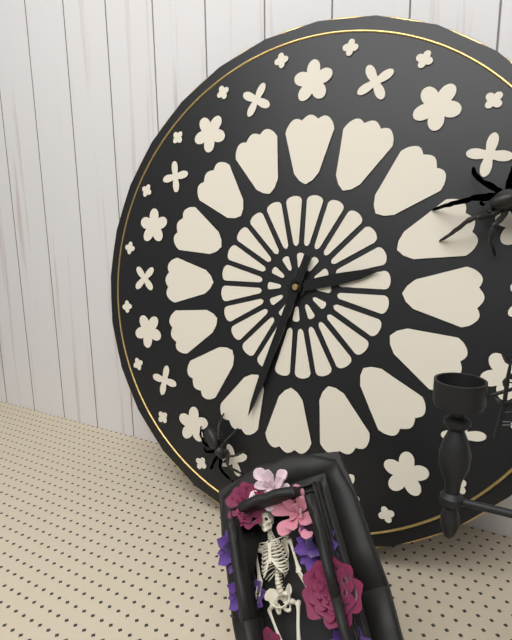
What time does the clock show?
2:33
